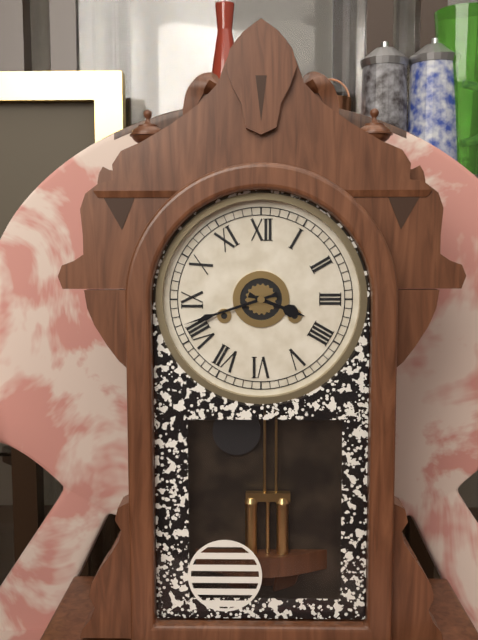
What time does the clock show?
3:42
